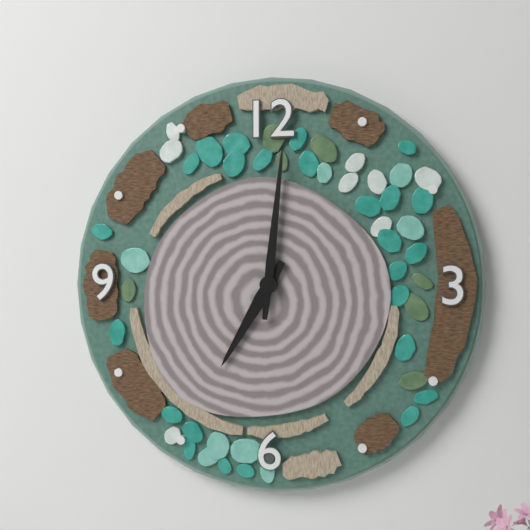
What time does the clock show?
7:01
